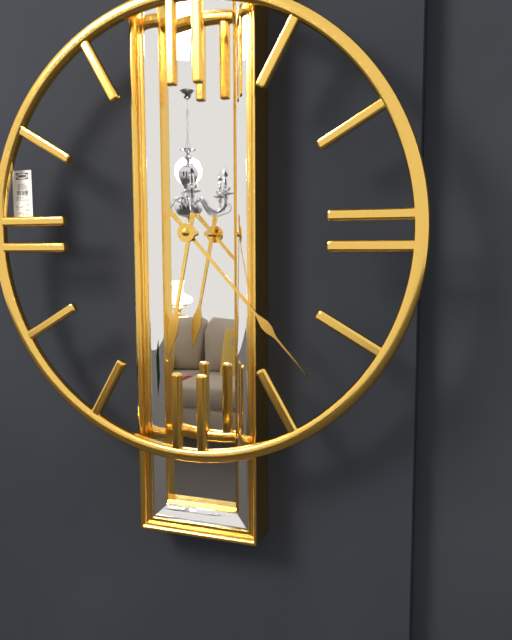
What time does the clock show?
6:23
